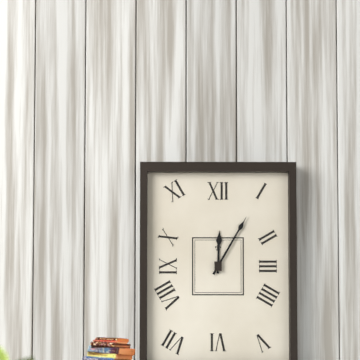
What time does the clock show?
12:05
